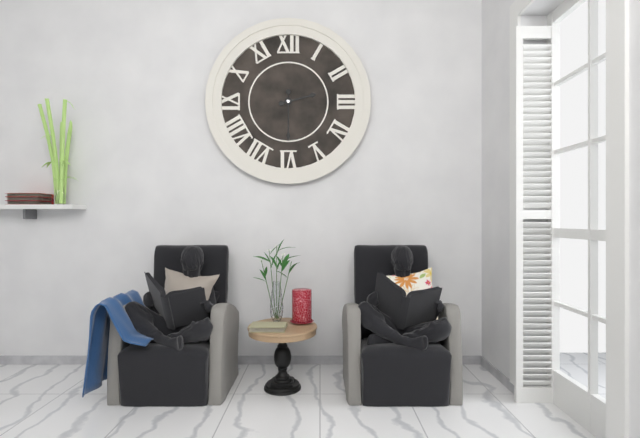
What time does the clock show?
2:30
